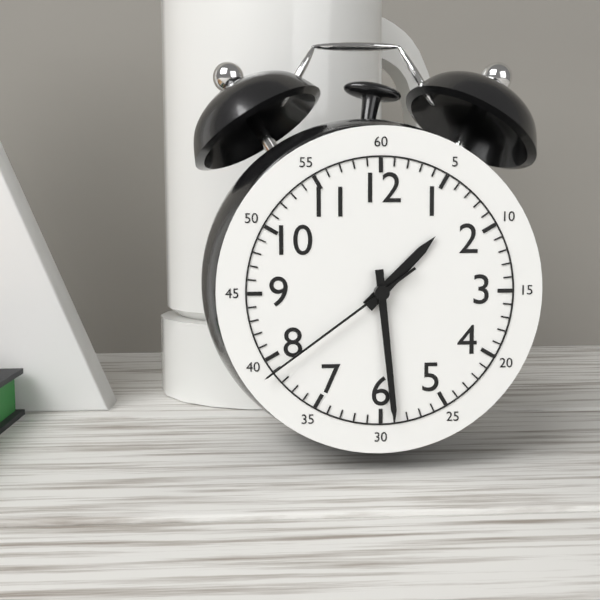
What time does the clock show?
1:29:39
